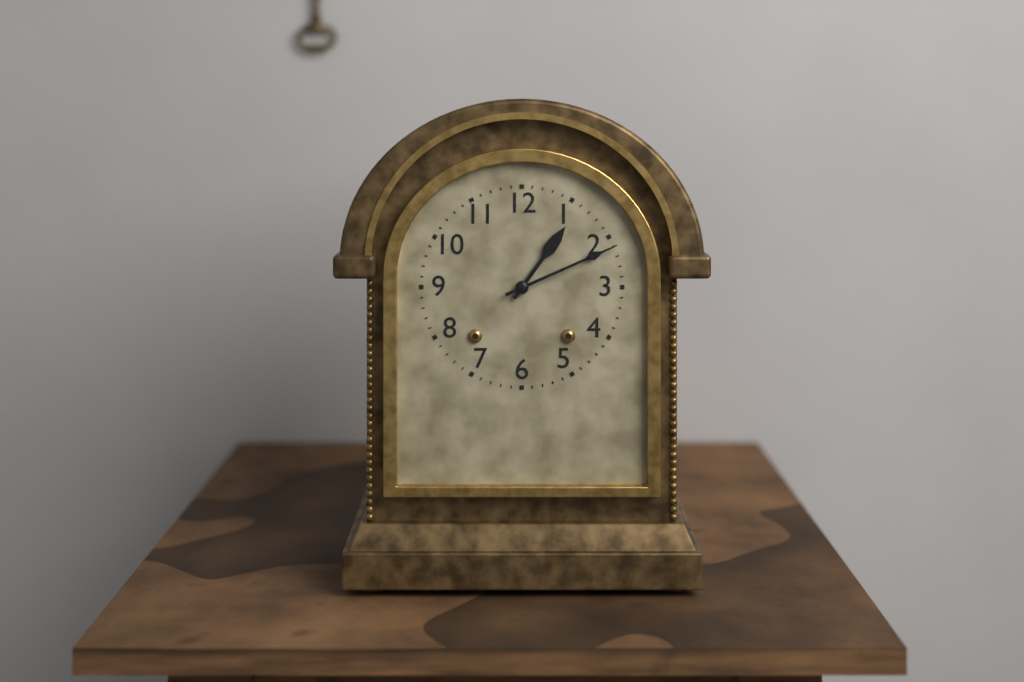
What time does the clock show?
1:11
